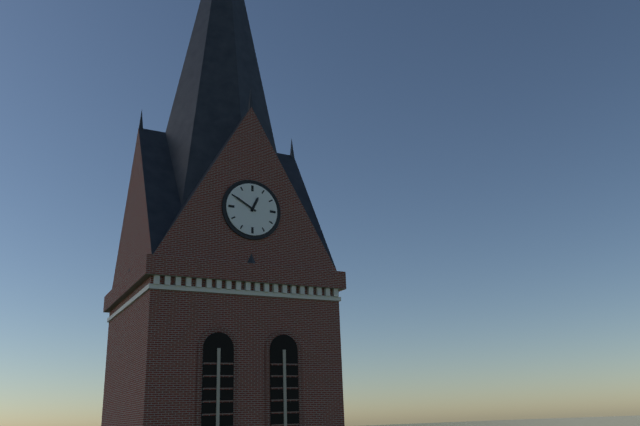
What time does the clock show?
12:50
